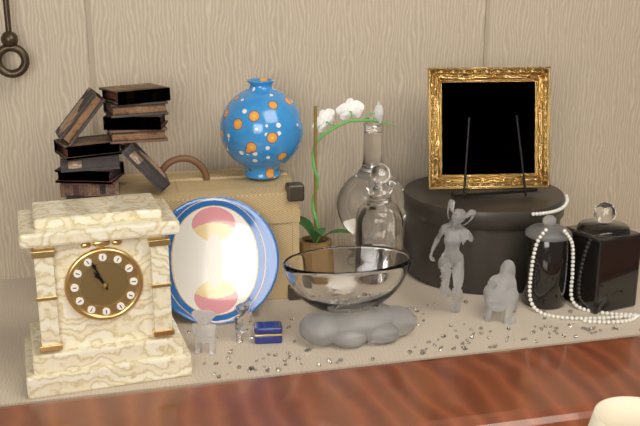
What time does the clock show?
10:56
